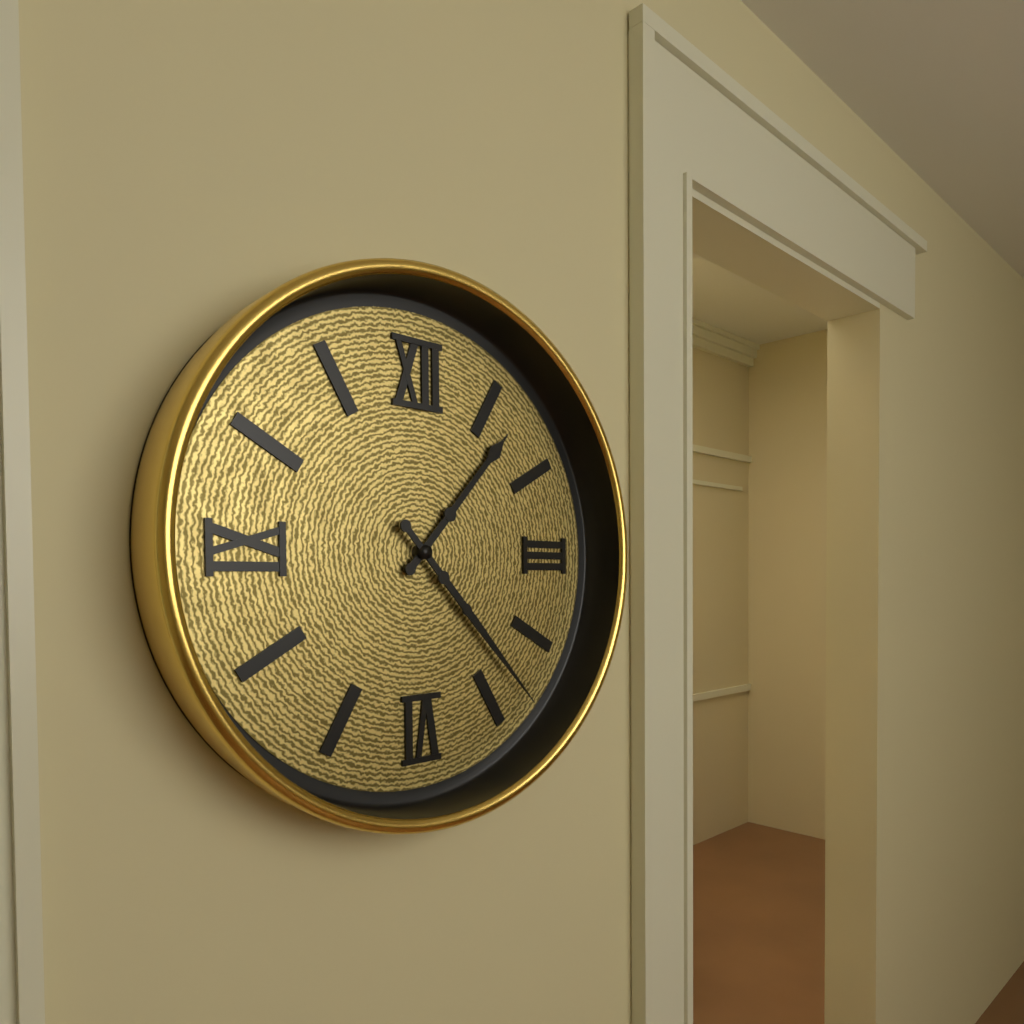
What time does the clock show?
1:23
